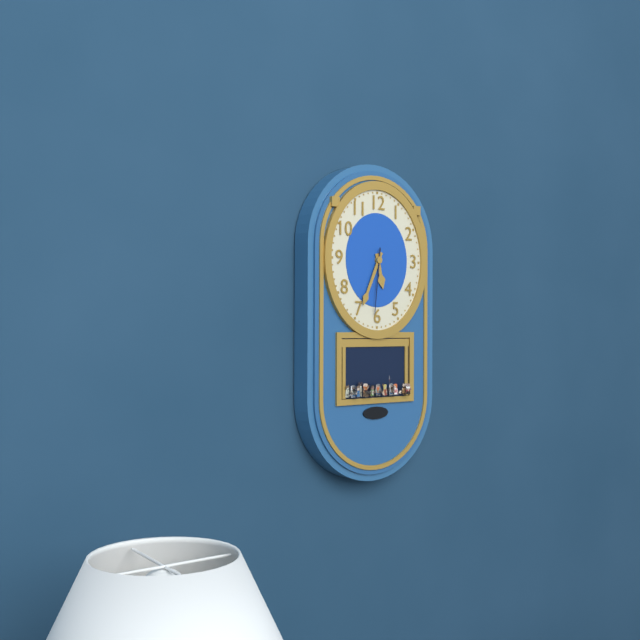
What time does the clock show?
5:34:31
